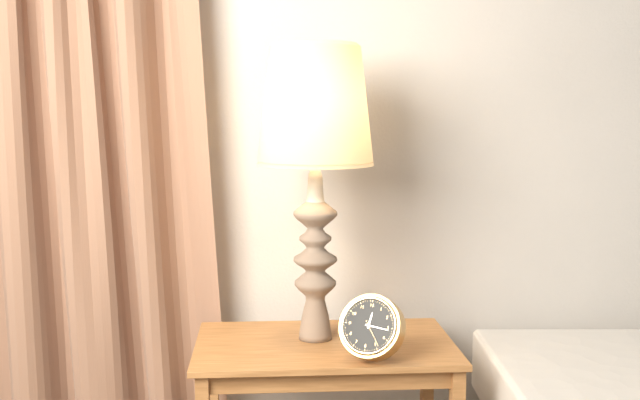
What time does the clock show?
12:16
